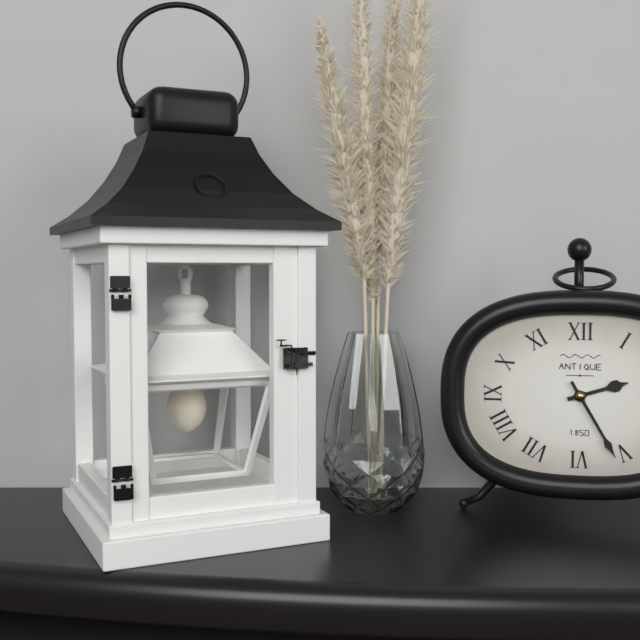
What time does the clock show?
2:25
